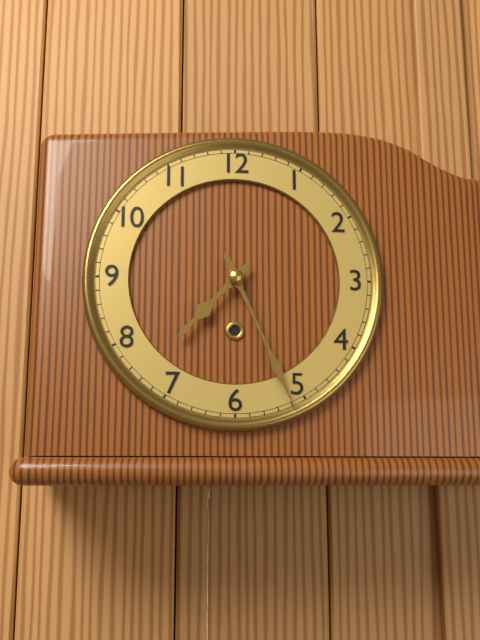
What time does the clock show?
7:26
